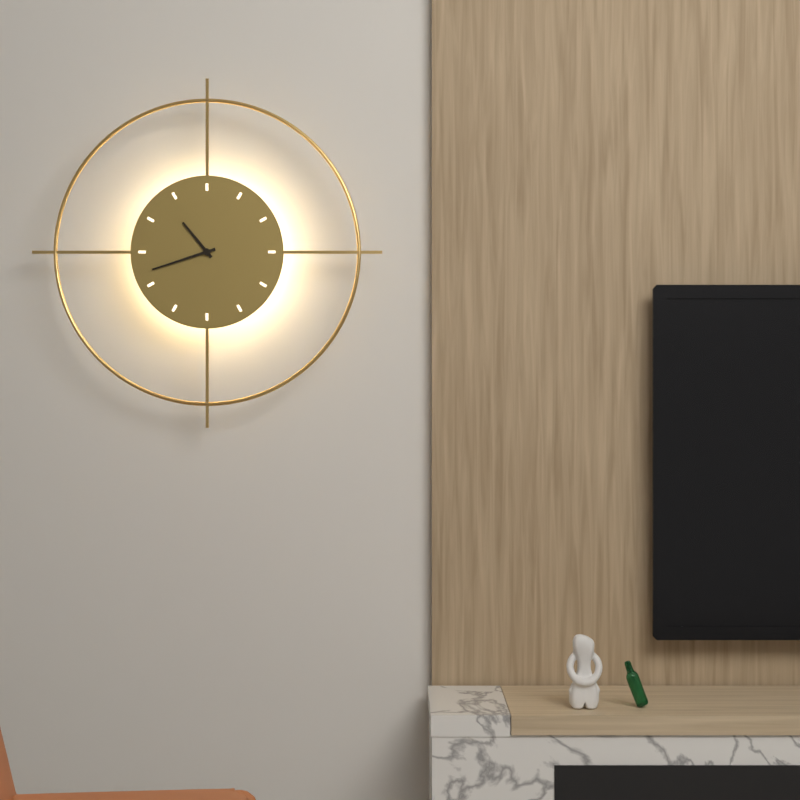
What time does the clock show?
10:42
